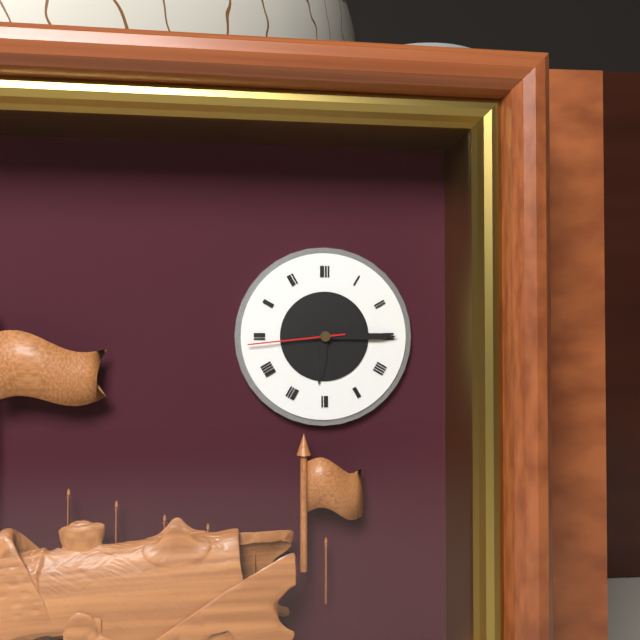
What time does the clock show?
6:15:44
